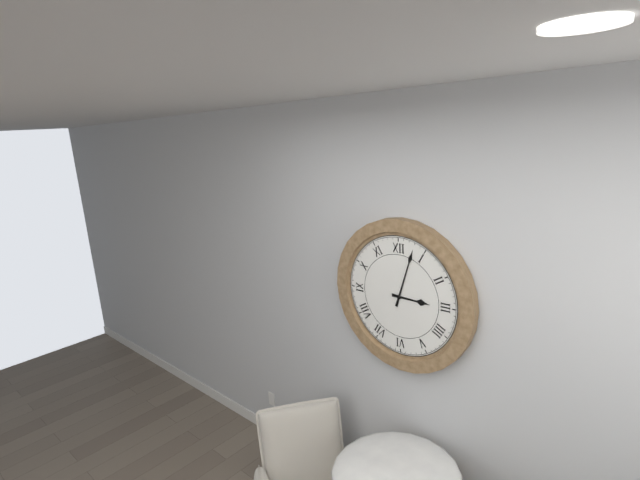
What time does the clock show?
3:03
